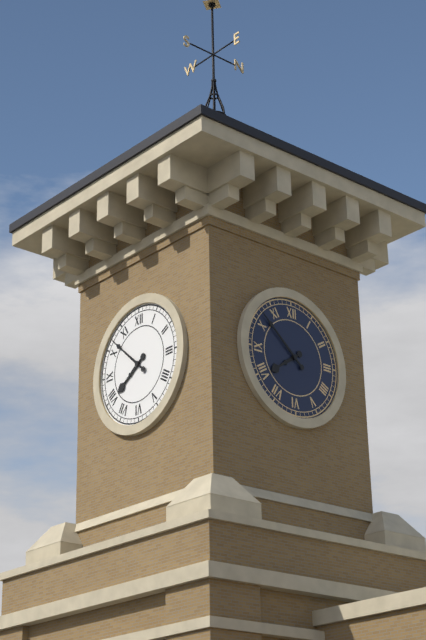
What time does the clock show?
7:52
